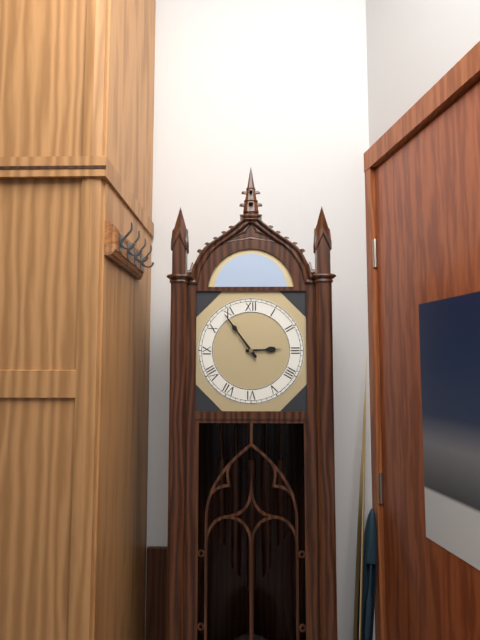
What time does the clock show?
2:54
